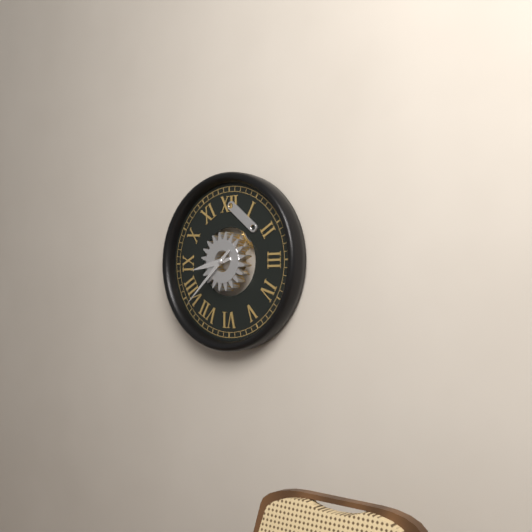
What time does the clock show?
8:38
